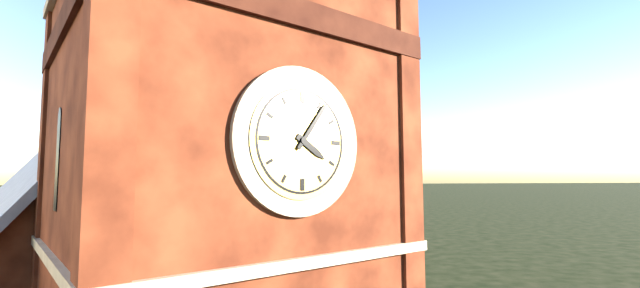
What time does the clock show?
4:06
